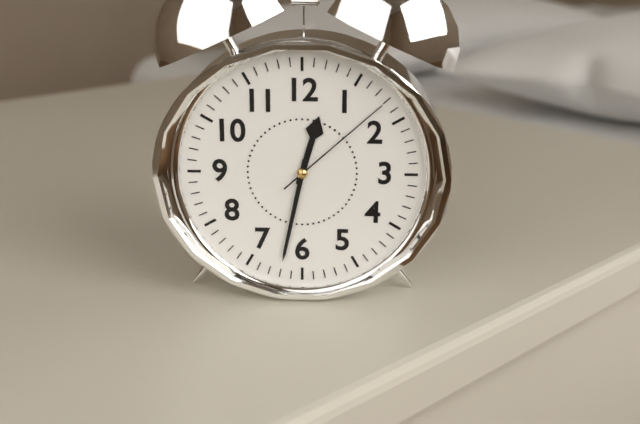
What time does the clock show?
12:32:08
